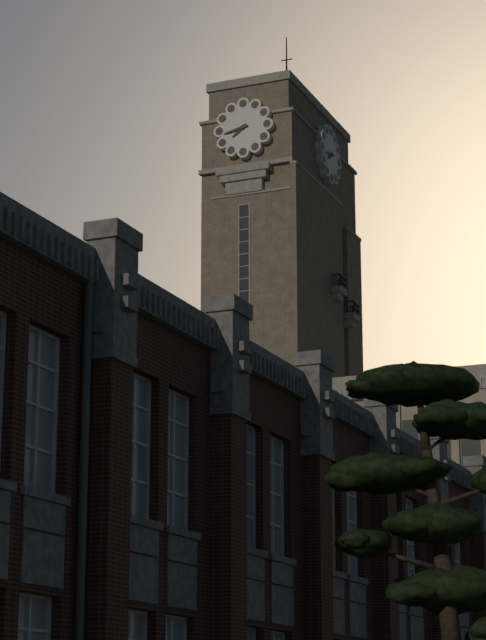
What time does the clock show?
7:43
